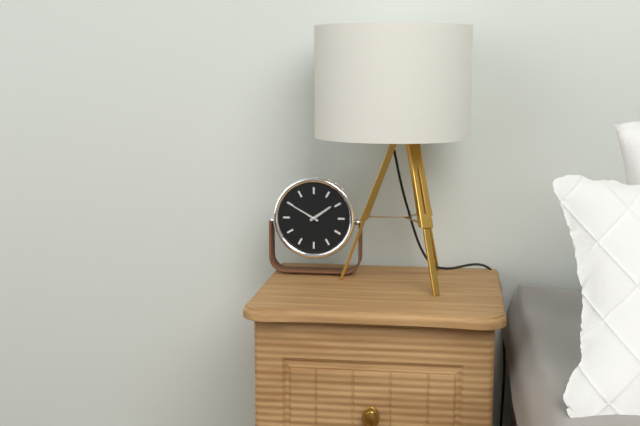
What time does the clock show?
1:50
